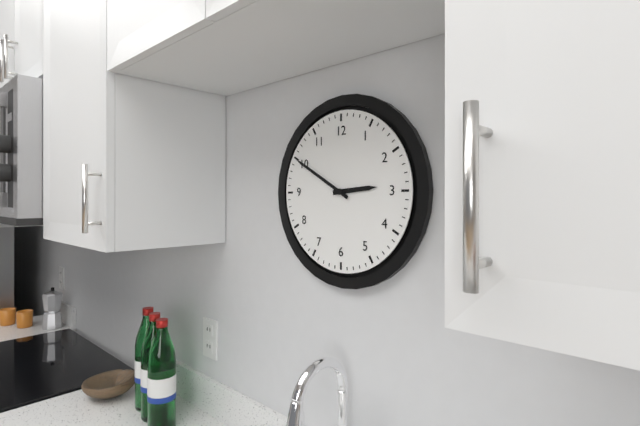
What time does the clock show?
2:50
